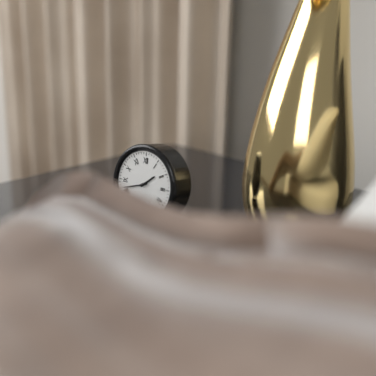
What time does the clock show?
1:42
